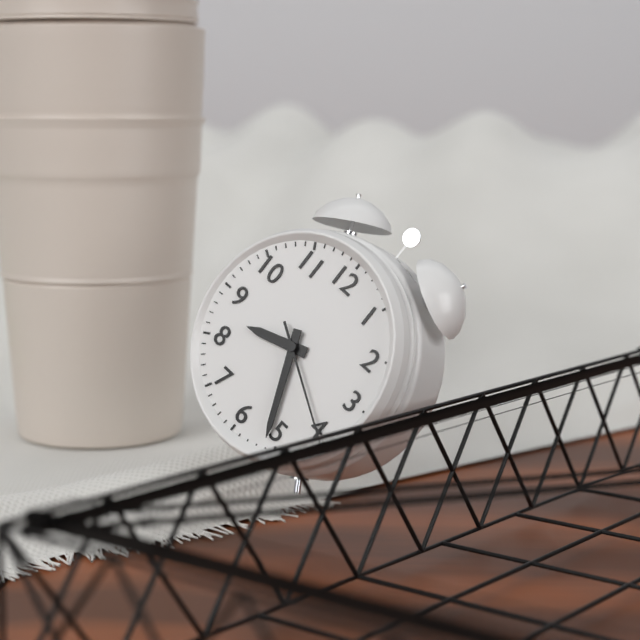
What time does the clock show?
8:26:20
